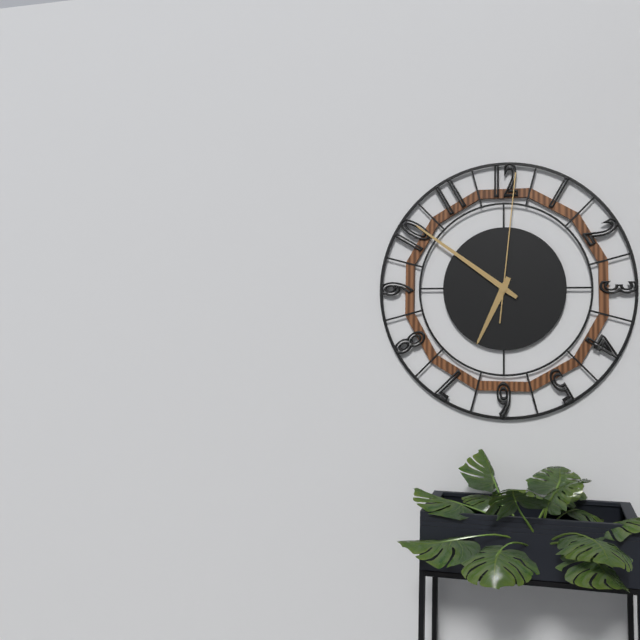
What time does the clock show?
6:51:01
